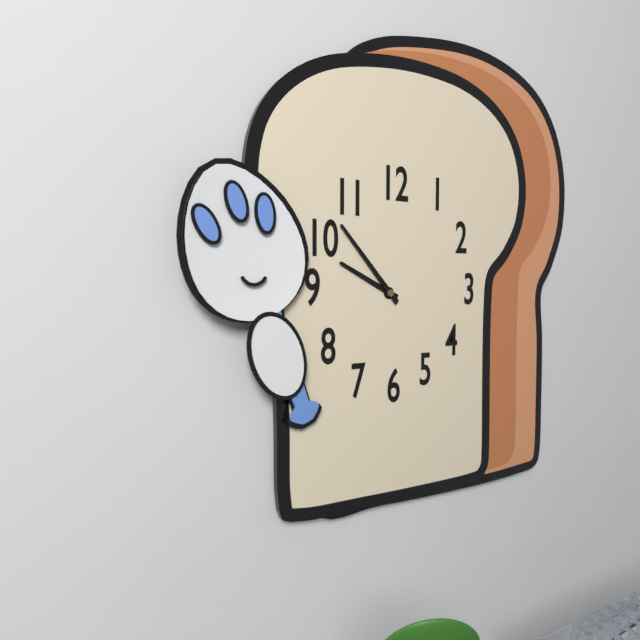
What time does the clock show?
9:53
